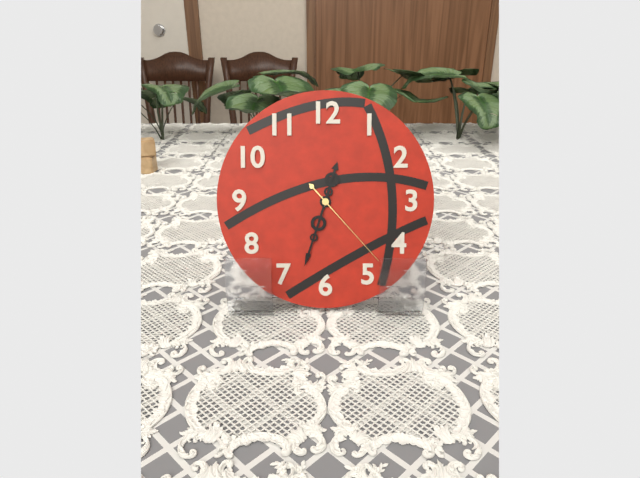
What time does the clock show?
12:33:23
